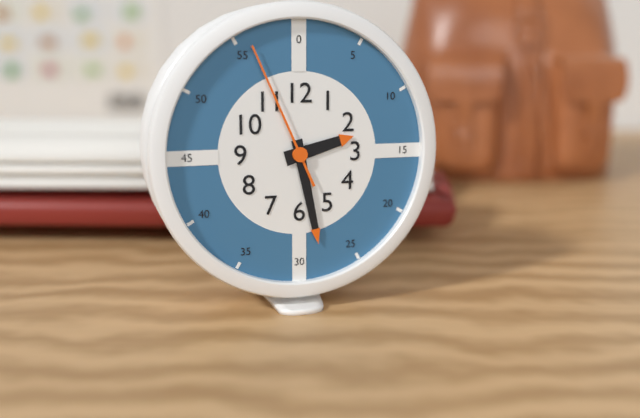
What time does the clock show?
2:28:56
